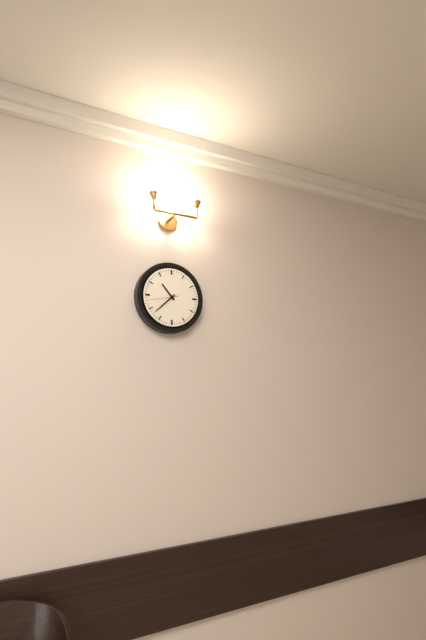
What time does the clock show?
10:38
